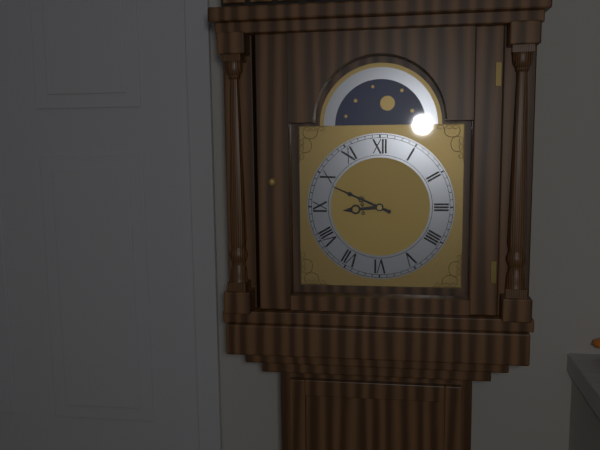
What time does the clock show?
8:49
